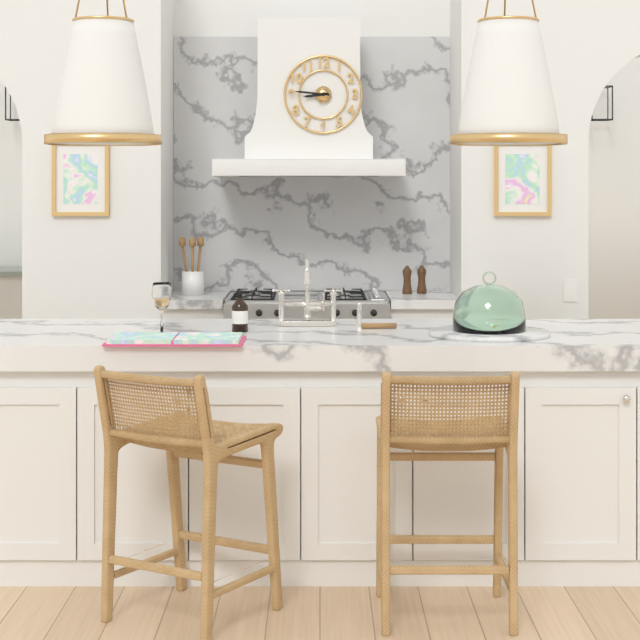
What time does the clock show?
8:46
